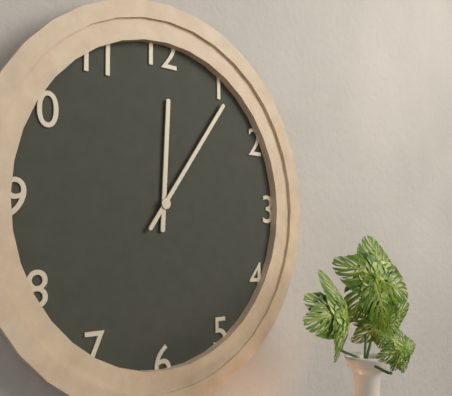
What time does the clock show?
12:06
